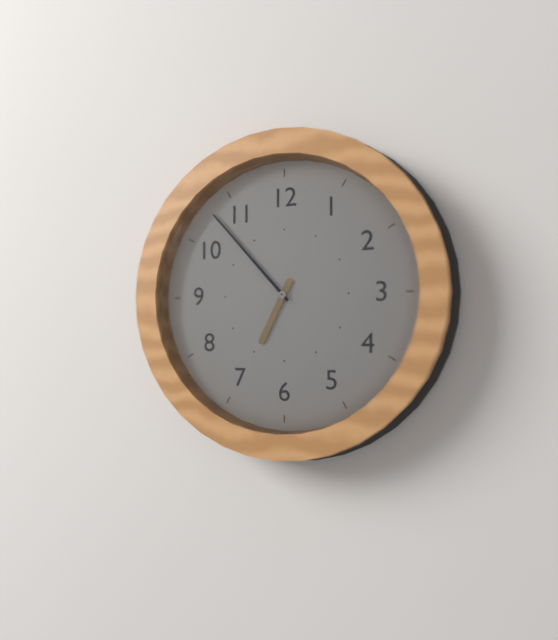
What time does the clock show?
6:53
